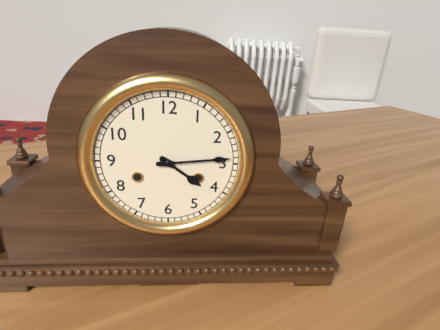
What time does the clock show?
4:14
